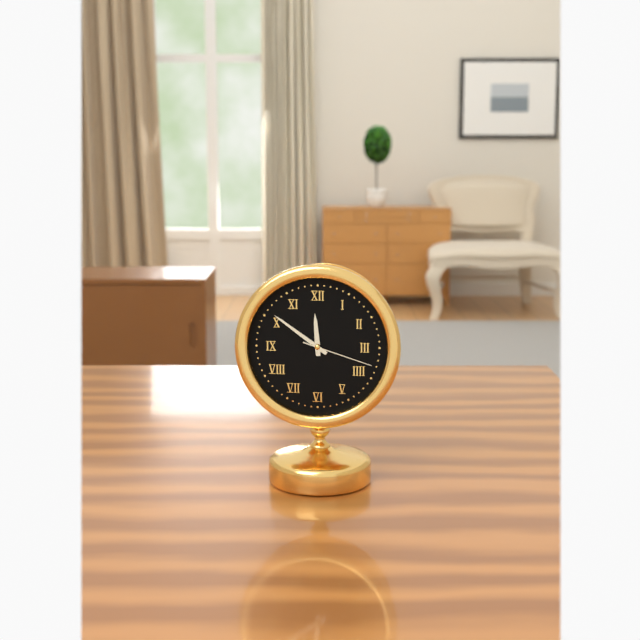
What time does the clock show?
11:51:18
